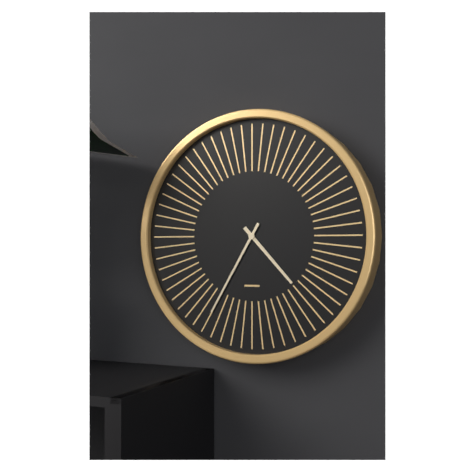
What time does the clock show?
4:35
